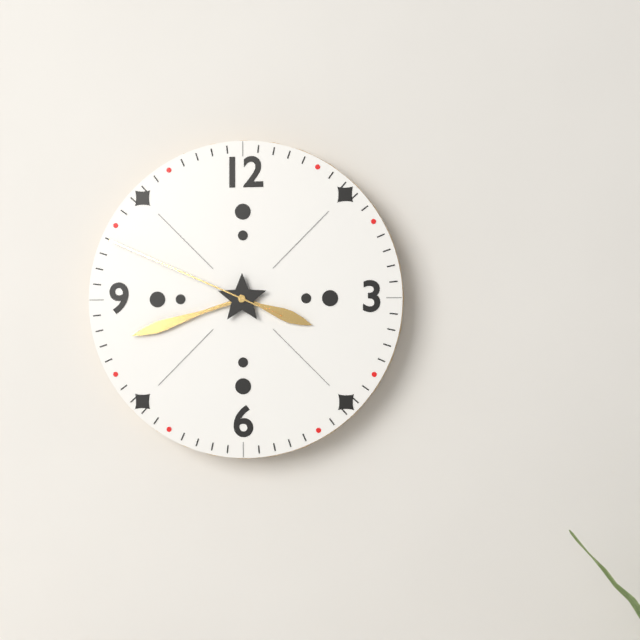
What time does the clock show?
3:42:49
